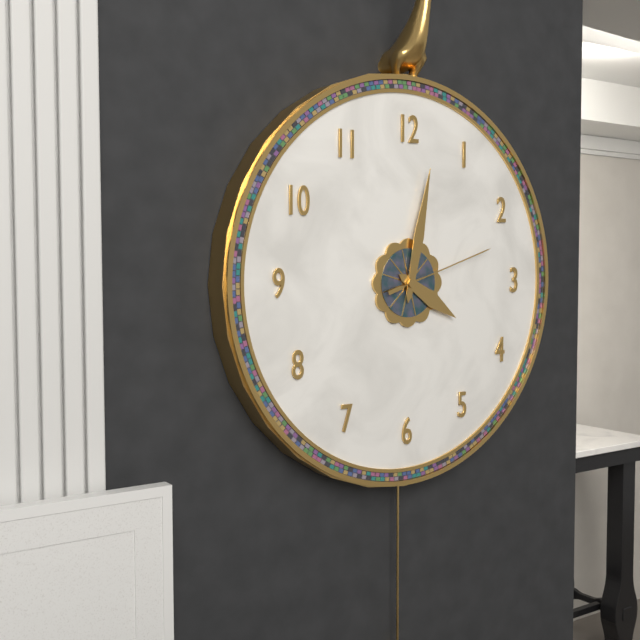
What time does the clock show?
4:02:12
